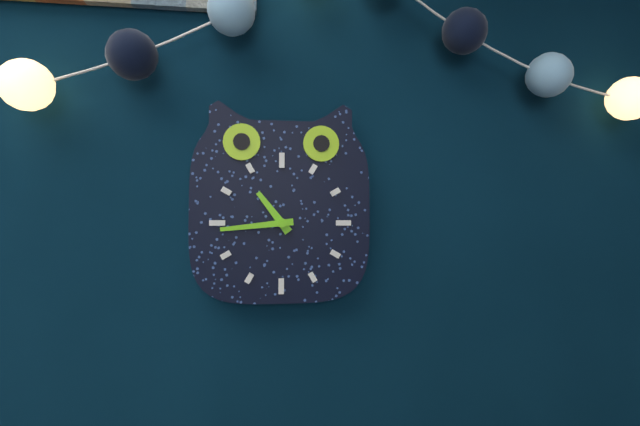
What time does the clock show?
10:44
